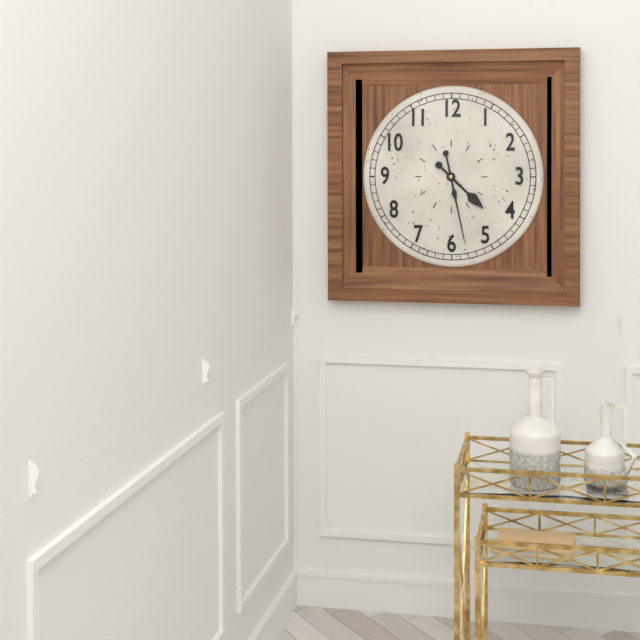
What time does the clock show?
4:28
